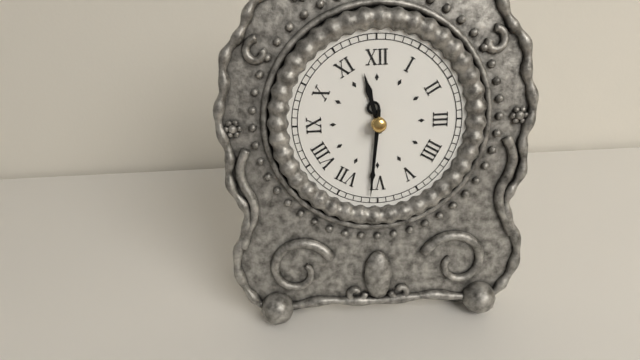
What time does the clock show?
11:31
